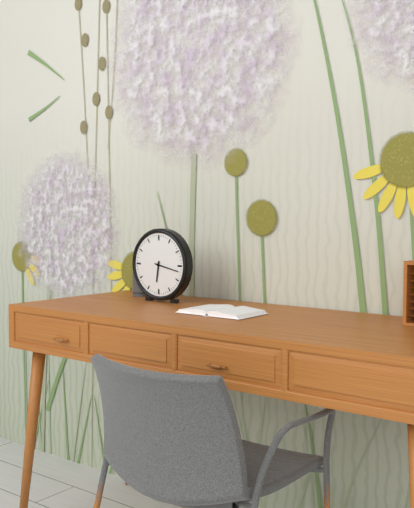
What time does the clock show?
6:17
